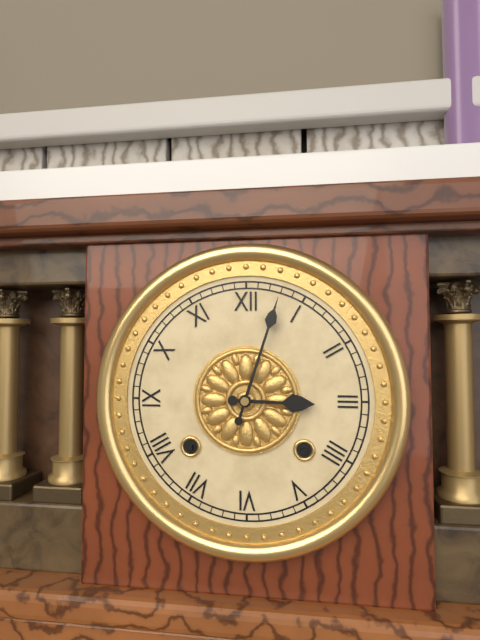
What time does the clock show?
3:03
